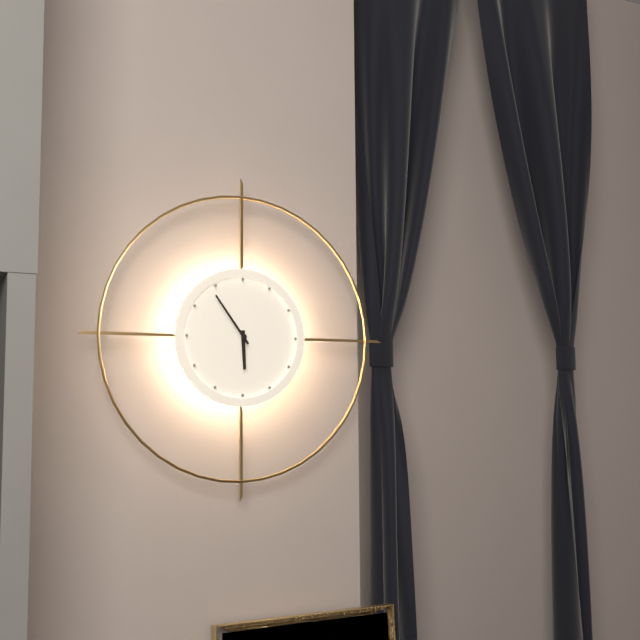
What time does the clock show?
5:54
